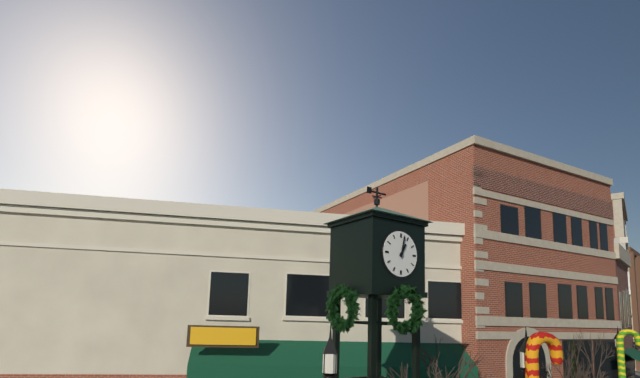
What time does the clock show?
1:02
